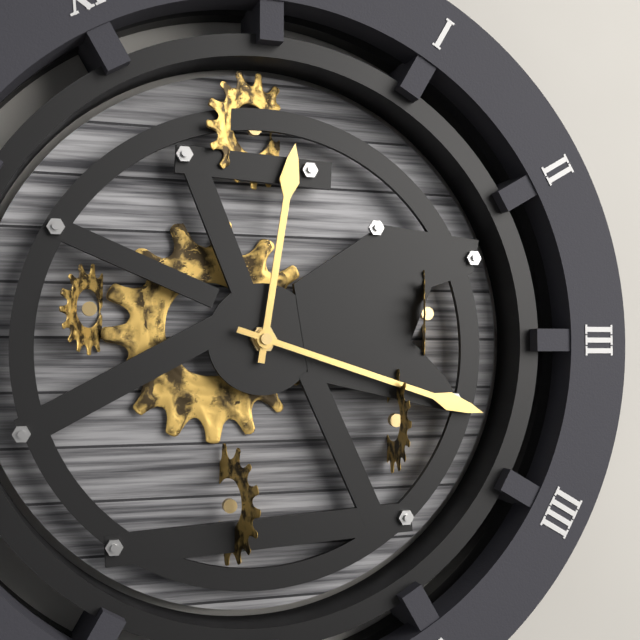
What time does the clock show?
12:18
